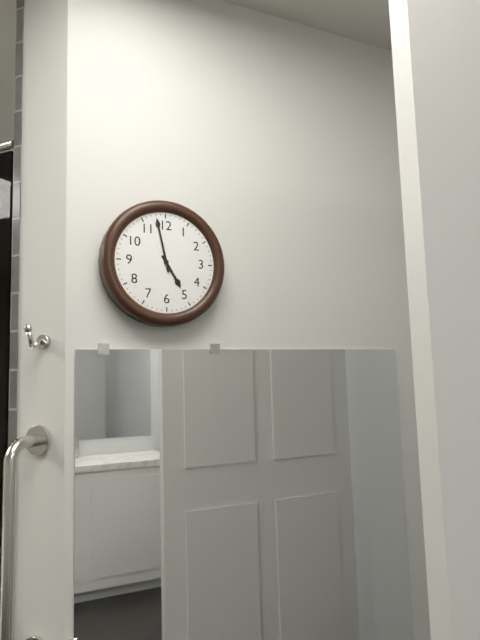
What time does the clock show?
4:58
